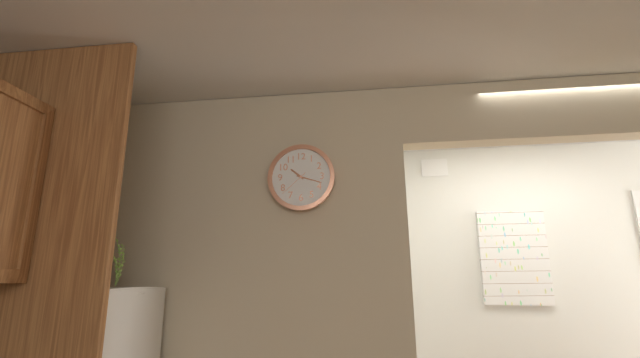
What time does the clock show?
10:18
